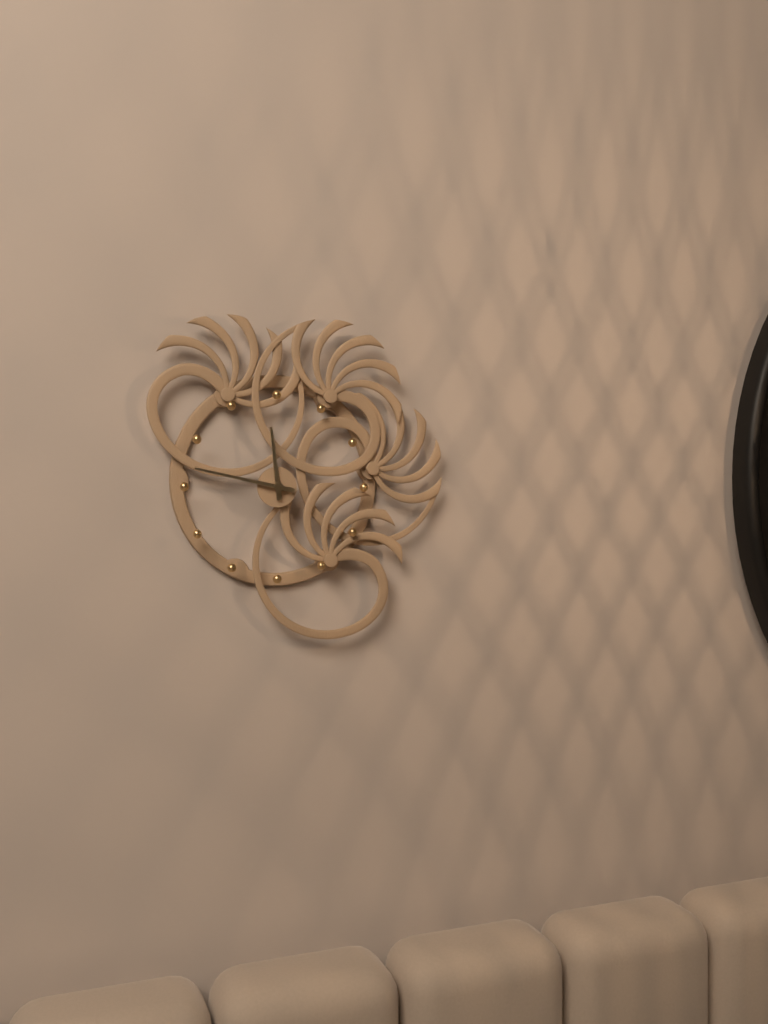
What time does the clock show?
11:47
